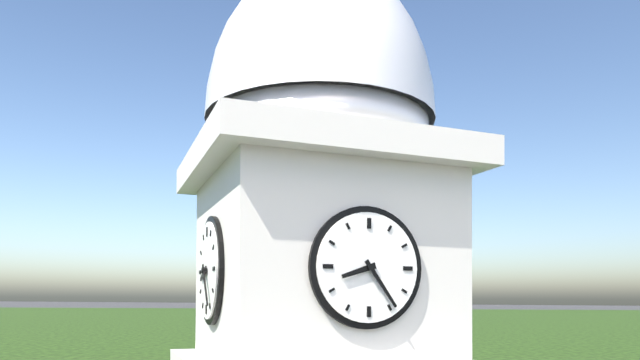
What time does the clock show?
8:24
